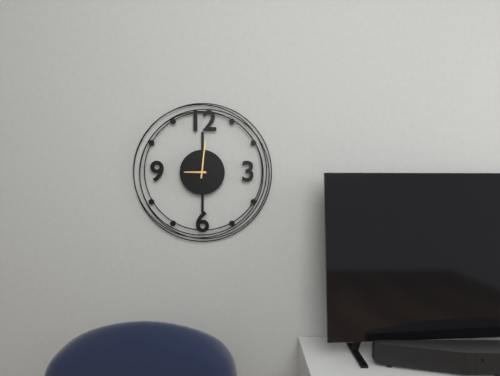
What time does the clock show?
9:01
